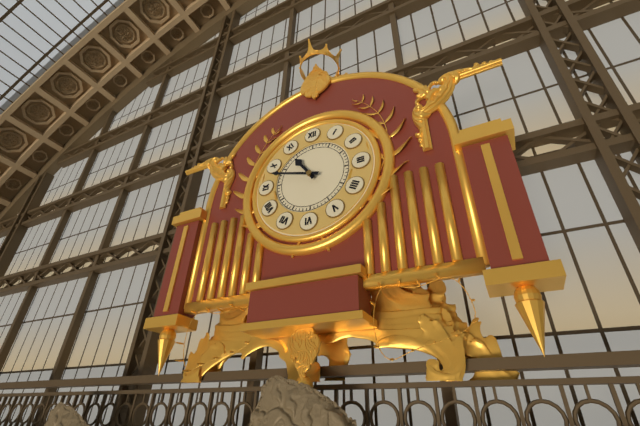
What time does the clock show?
10:48
